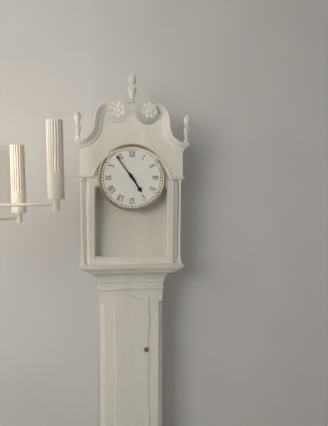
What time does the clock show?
4:54
